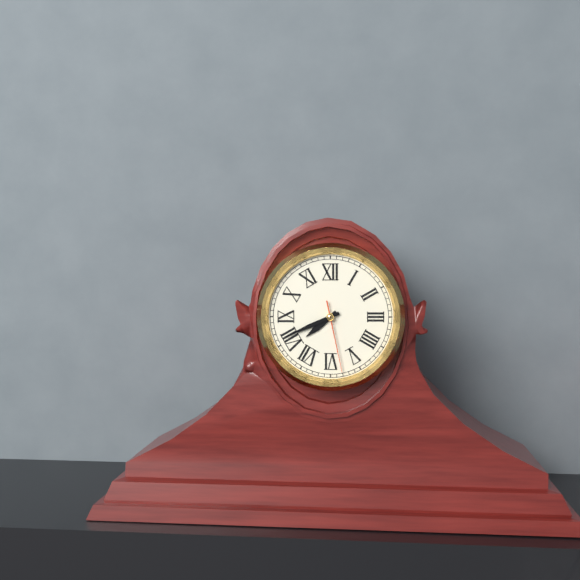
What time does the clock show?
7:41:28
